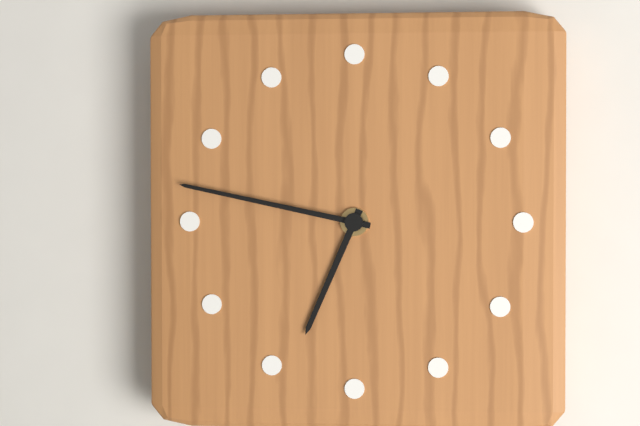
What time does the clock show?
6:47
